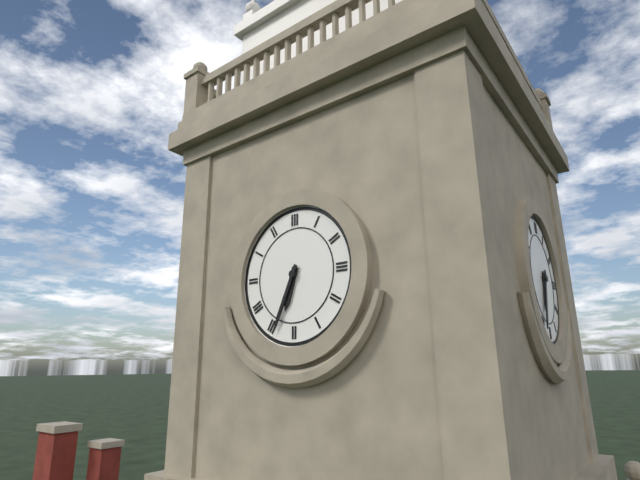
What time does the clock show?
6:34
